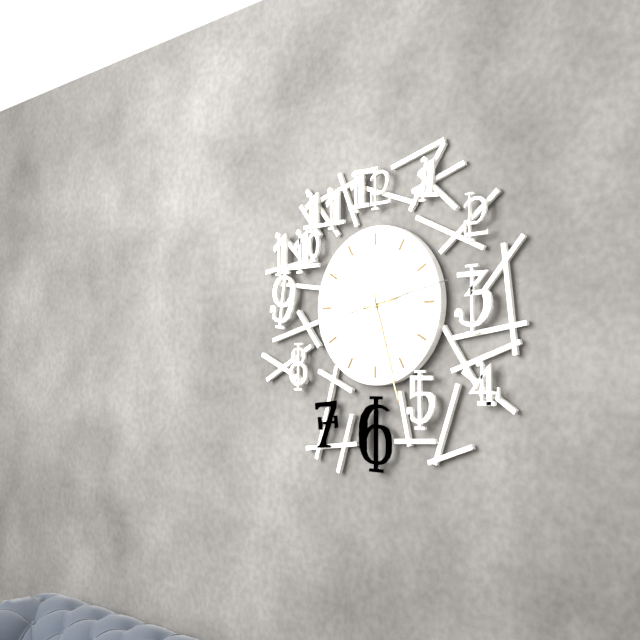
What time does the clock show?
2:27:13
